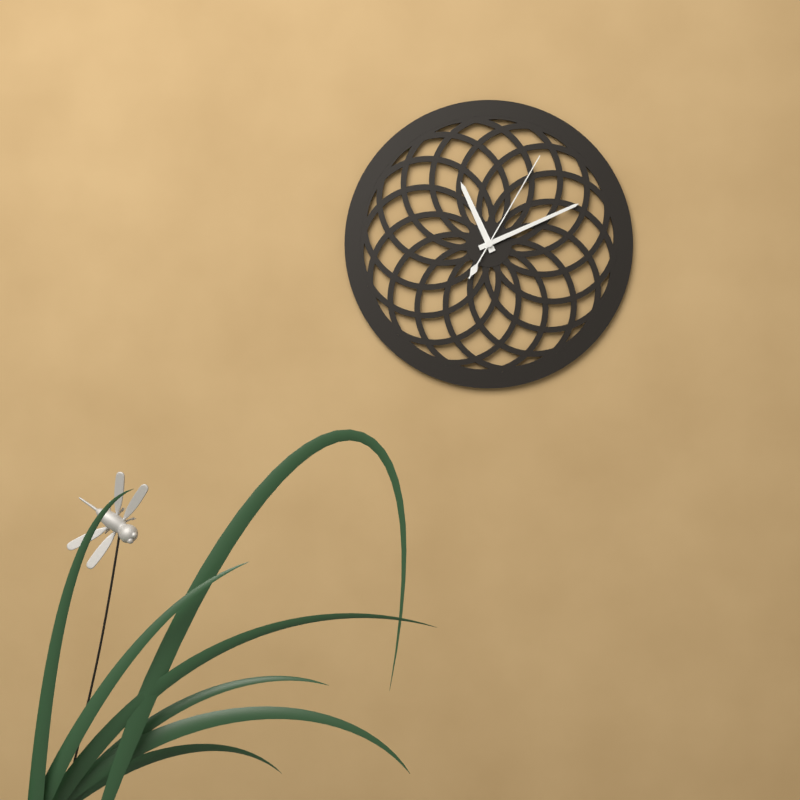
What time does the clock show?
11:11:05
